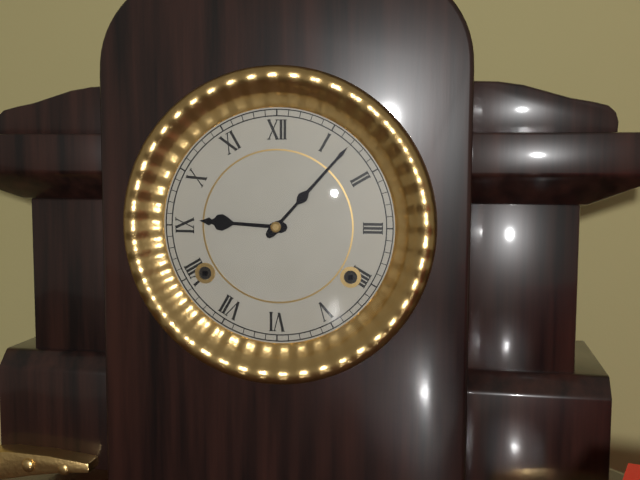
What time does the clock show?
9:07
